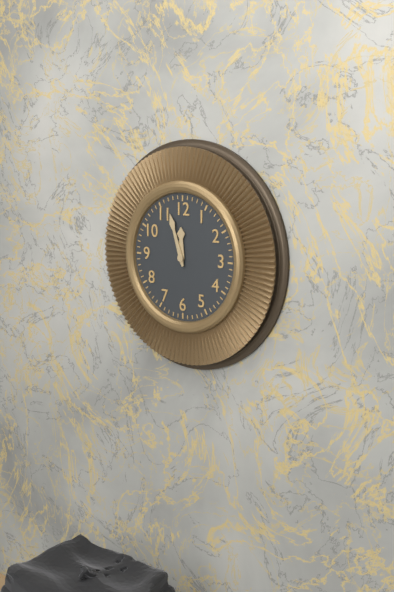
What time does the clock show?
11:57
